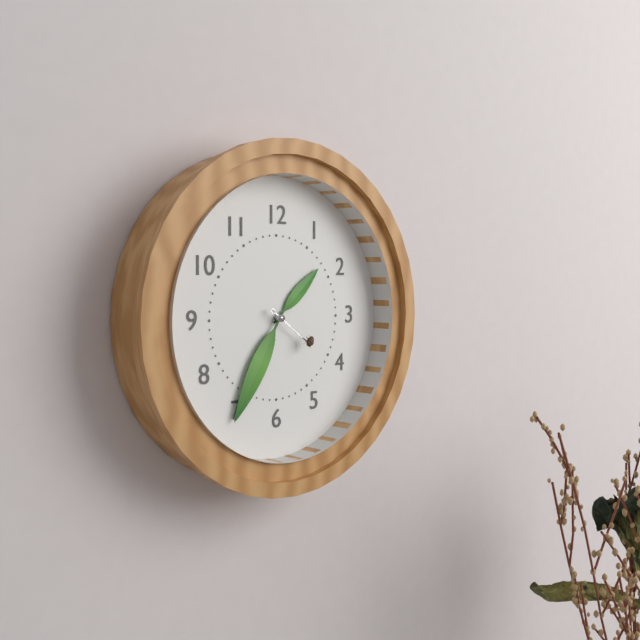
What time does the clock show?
1:35:21
